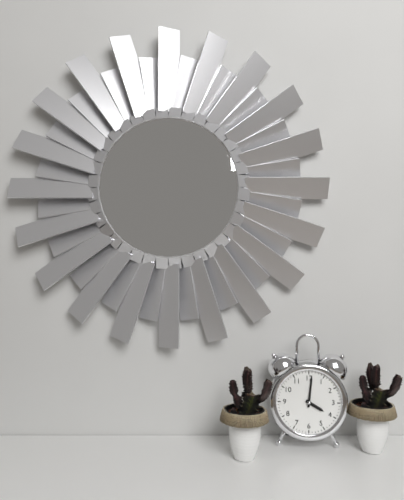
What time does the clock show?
4:01
